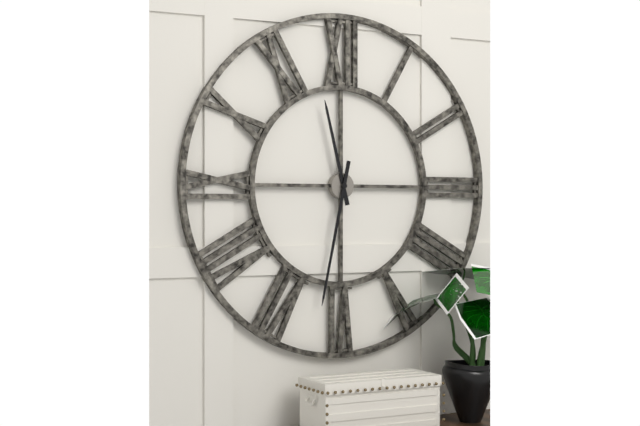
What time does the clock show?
11:32
